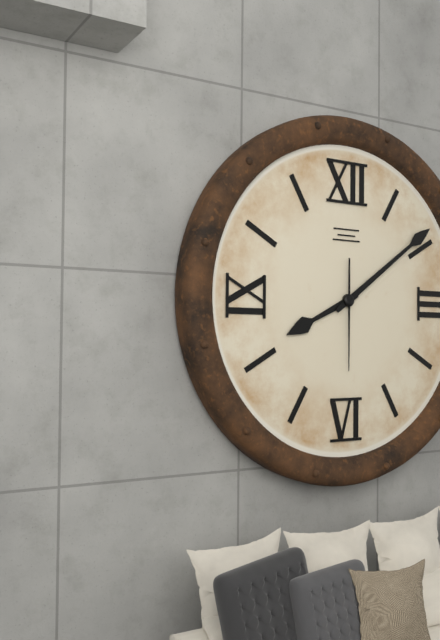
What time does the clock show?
8:09:30
